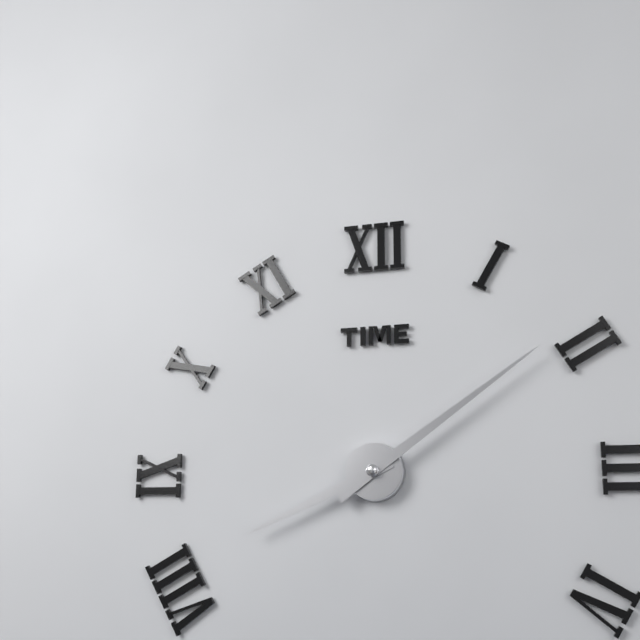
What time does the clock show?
8:09
